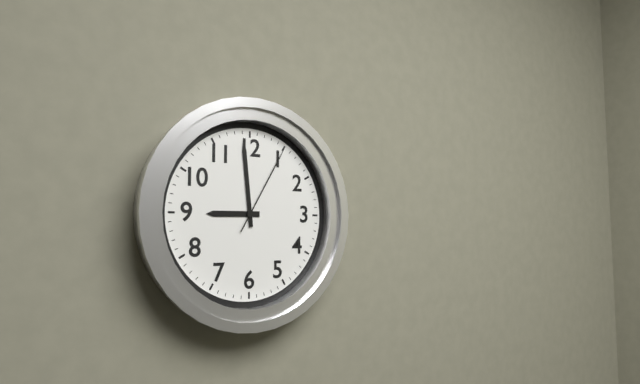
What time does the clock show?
8:59:05
